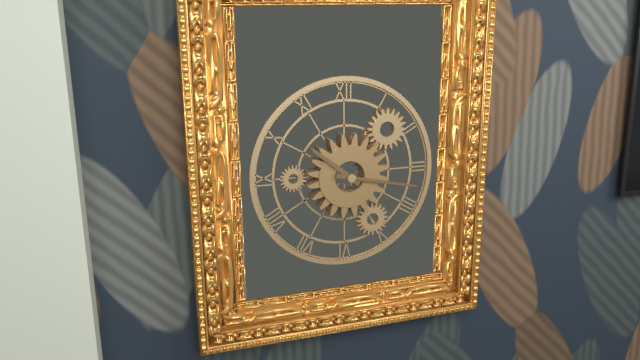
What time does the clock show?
10:17
